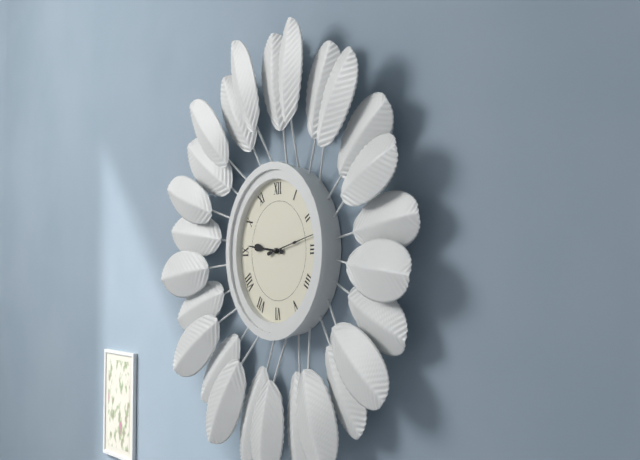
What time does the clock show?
9:13
